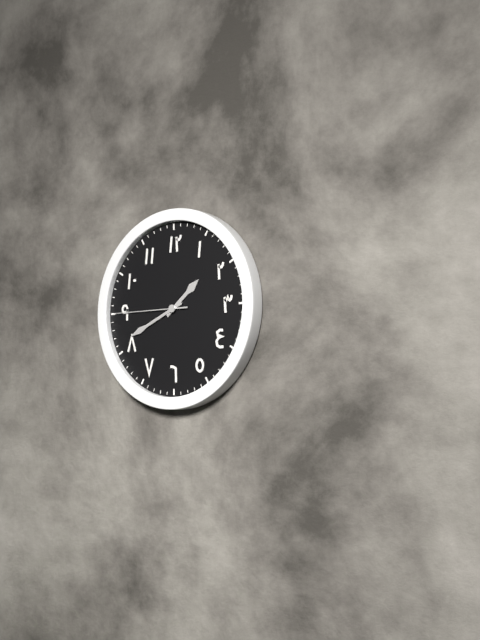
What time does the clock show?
1:41:45
